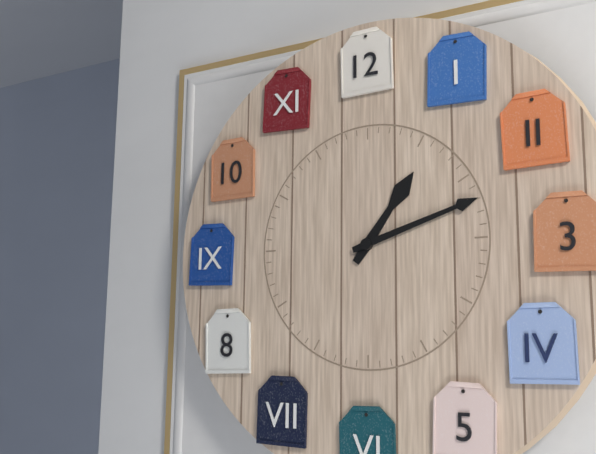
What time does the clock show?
1:12
